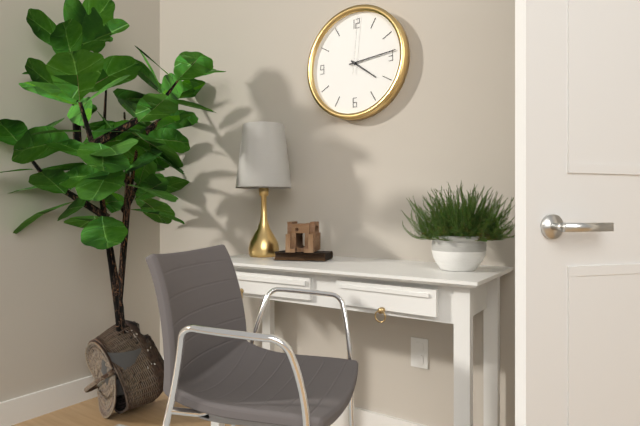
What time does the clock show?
4:14:01
